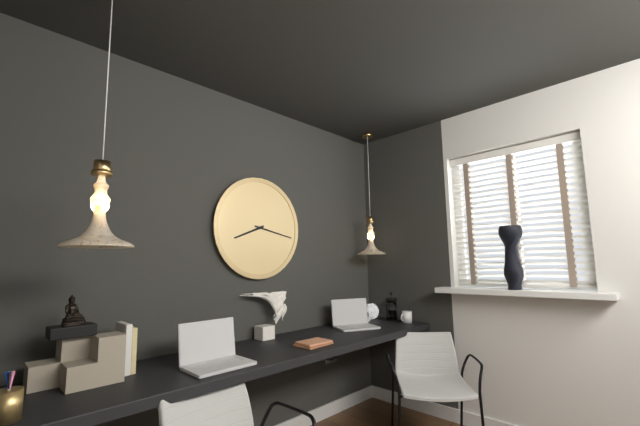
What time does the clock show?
8:17
